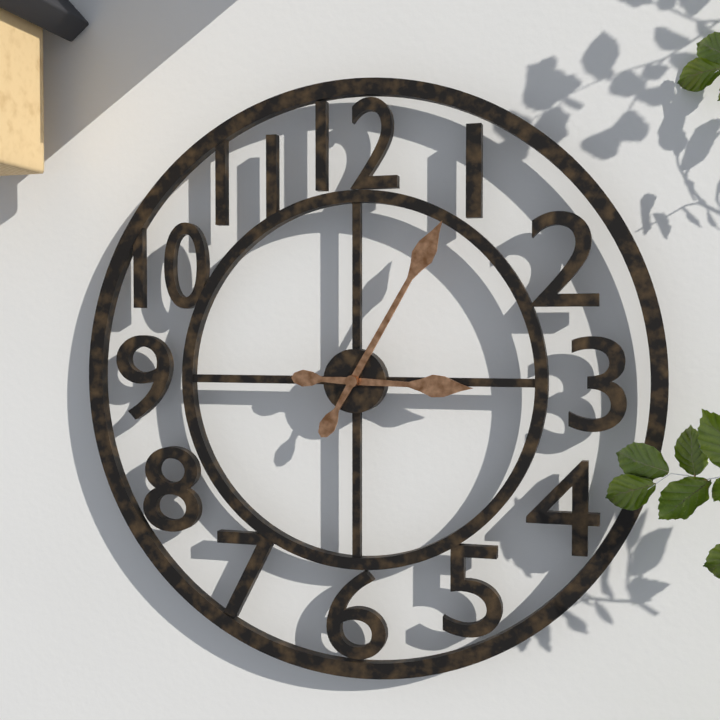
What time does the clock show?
3:05
